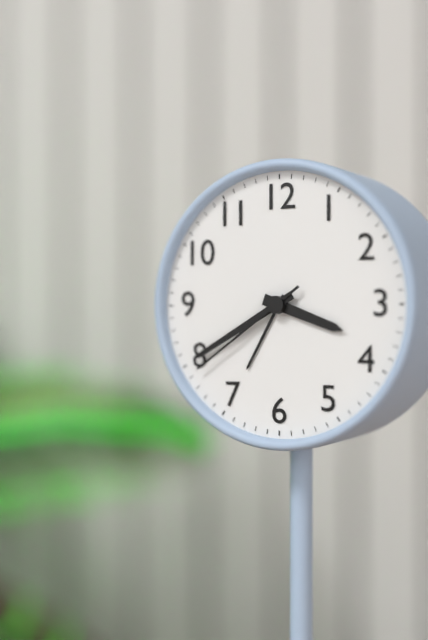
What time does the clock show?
3:40:39
